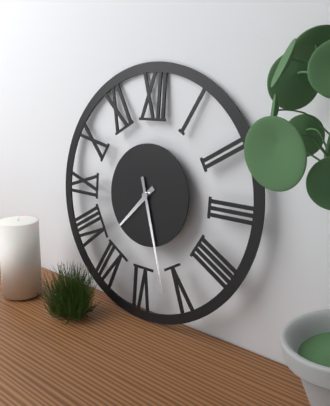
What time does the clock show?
7:27
